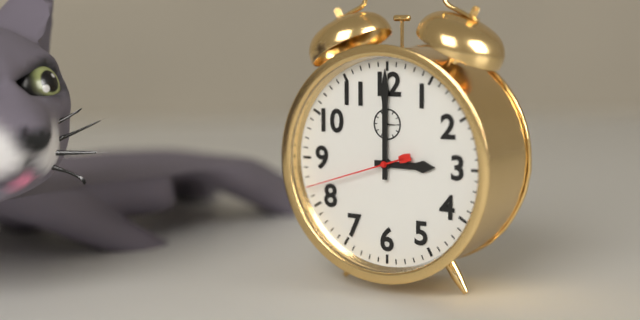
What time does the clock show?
3:00:42
